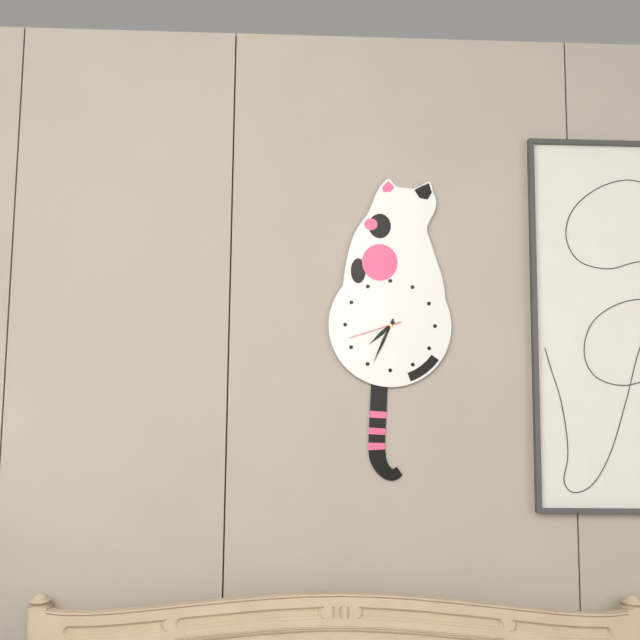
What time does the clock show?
7:34:42
